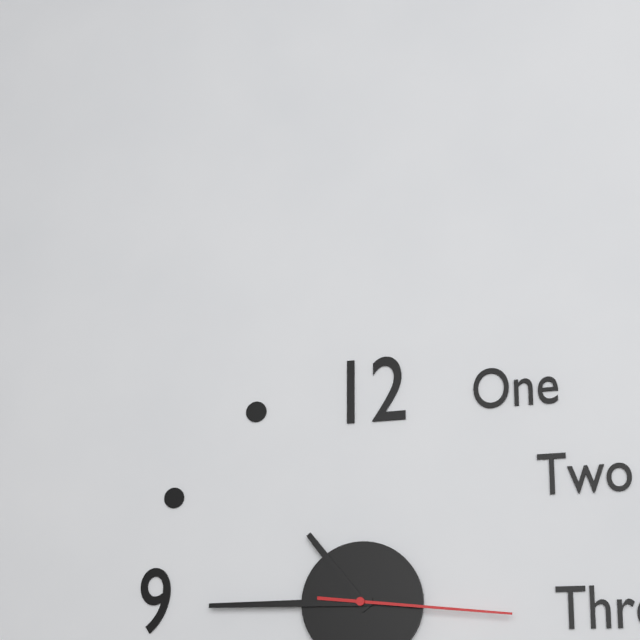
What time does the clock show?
10:45:16
